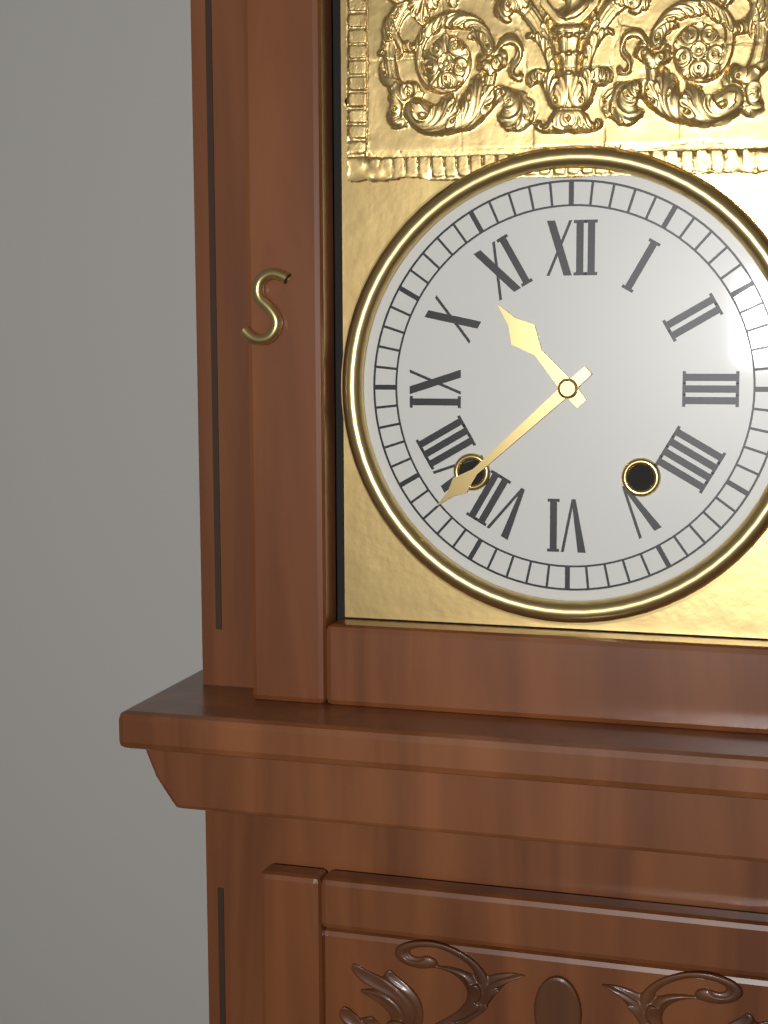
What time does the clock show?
10:38
